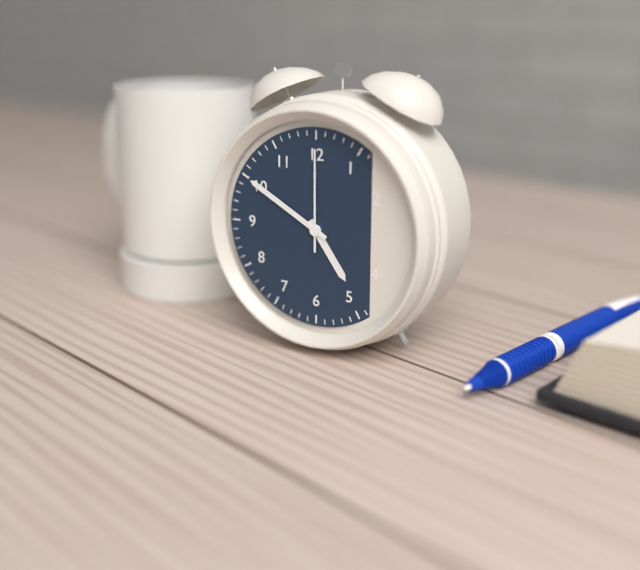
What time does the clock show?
4:50:00
